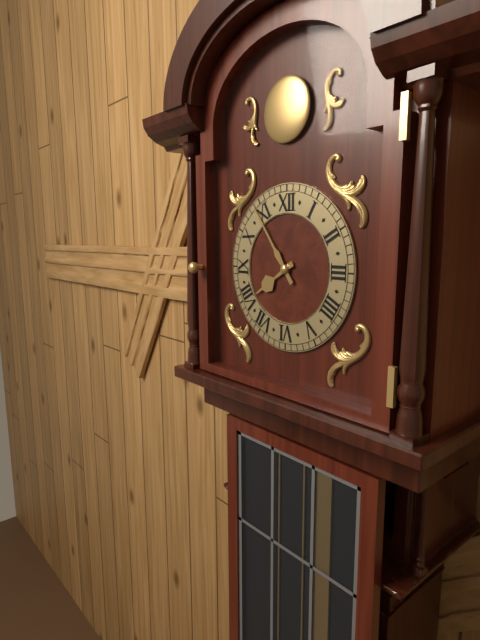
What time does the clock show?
7:54
